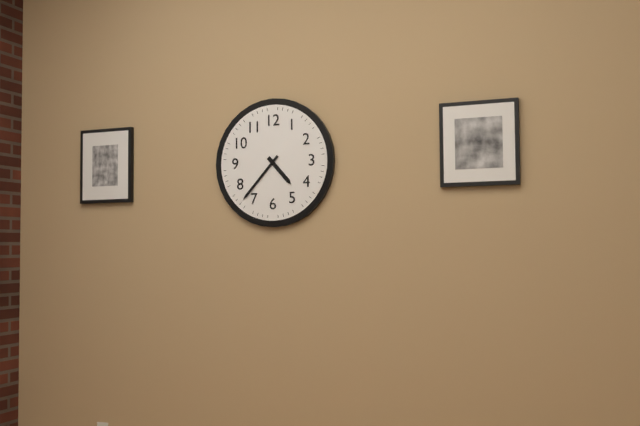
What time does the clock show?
4:37
